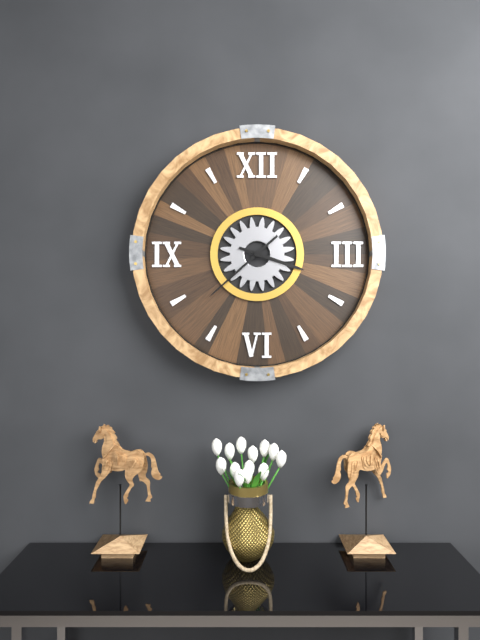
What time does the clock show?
3:38
